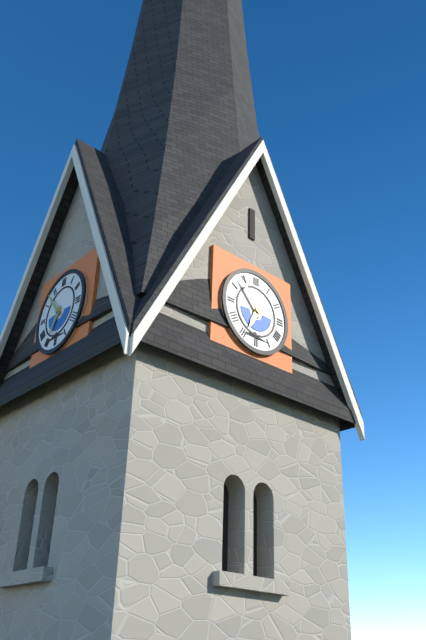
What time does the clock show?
6:53
